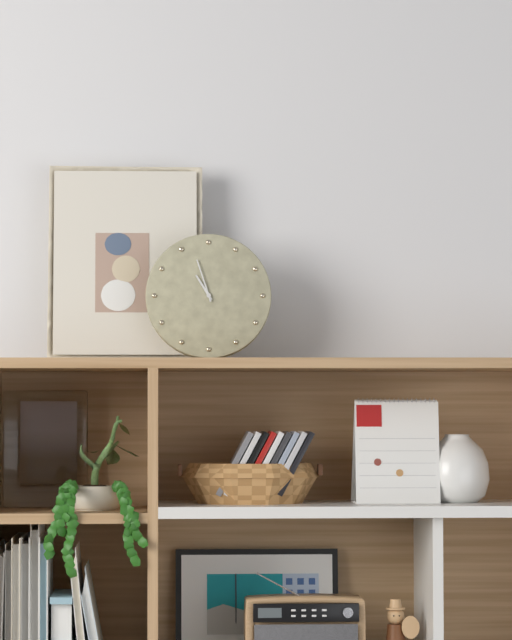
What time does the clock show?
10:57
